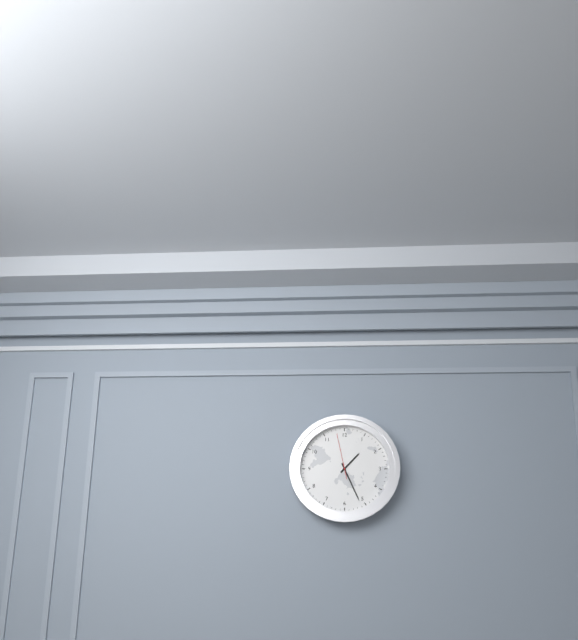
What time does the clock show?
1:26
